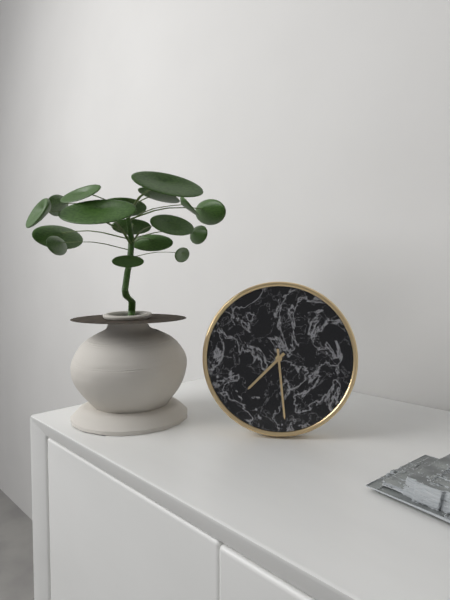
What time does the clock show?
7:29
